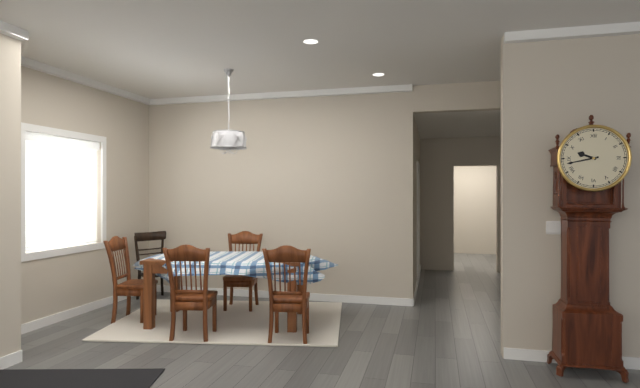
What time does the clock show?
9:43
